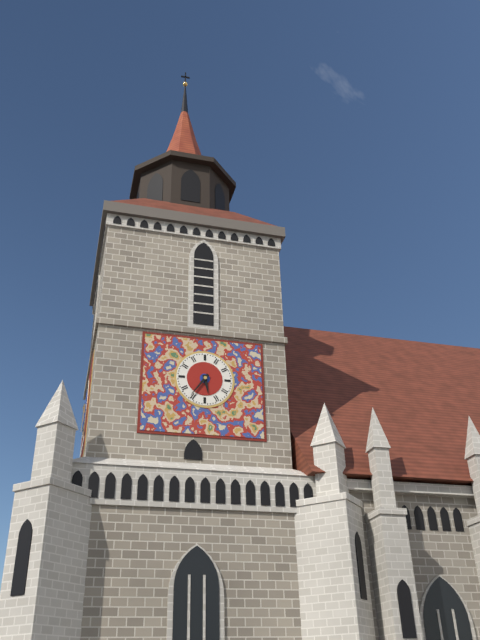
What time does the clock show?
5:36
